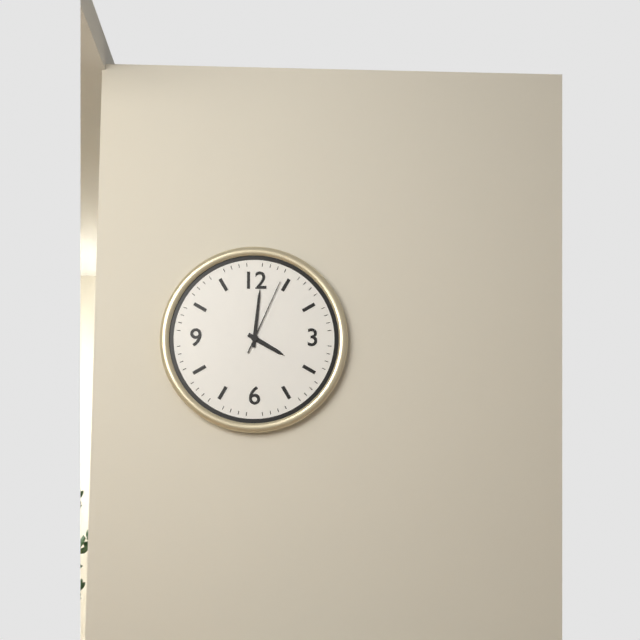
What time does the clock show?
4:01:04
